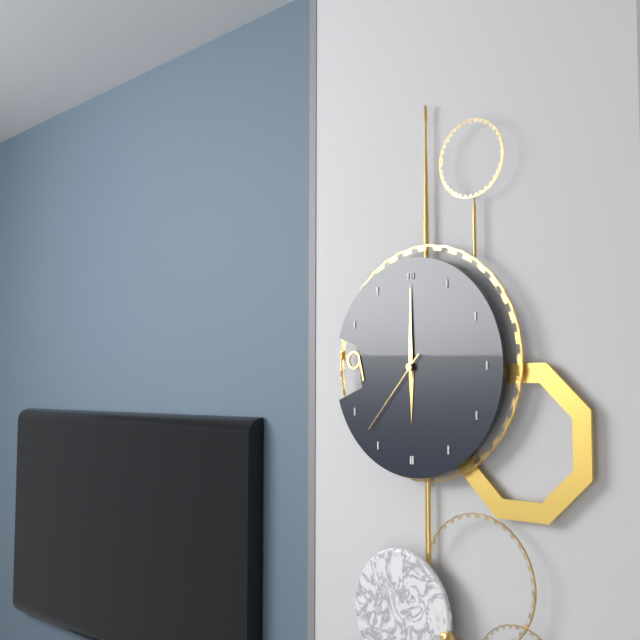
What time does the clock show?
6:00:37
